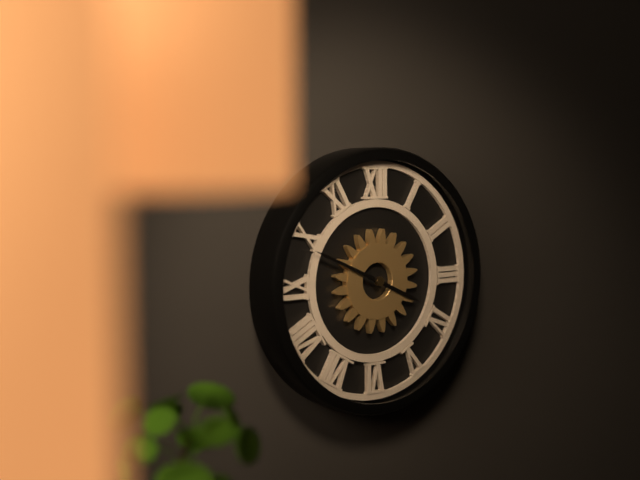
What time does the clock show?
3:49
